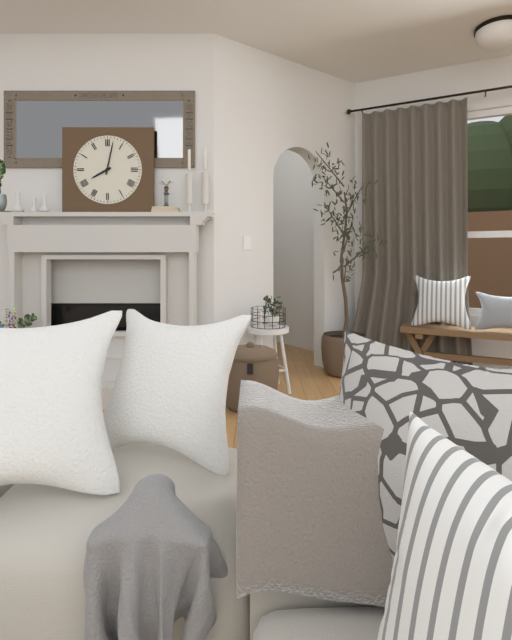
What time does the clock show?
8:02
